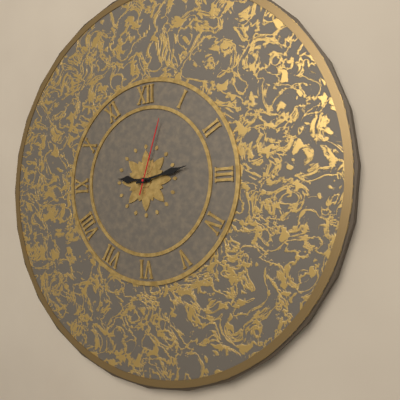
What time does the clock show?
9:13:03
